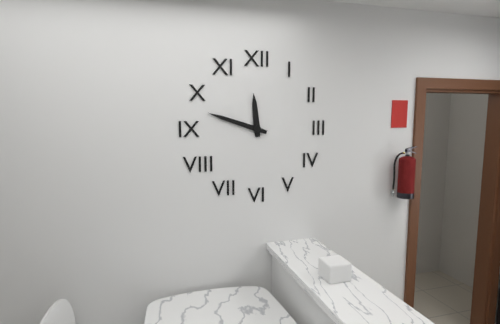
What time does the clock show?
11:48
